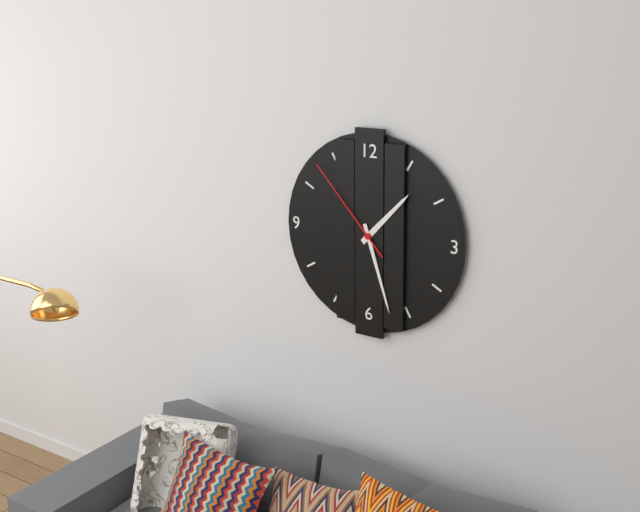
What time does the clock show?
1:27:53
